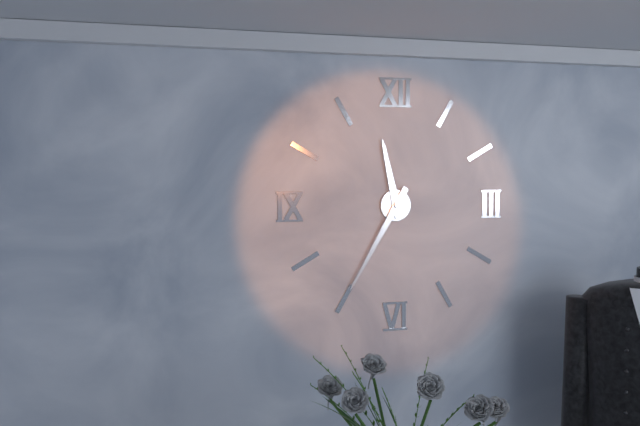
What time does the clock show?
11:35
